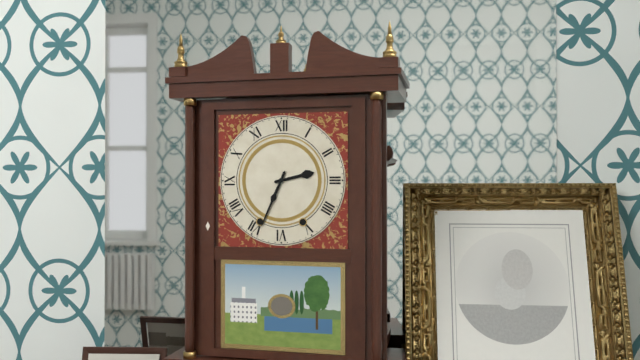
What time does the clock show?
2:34
